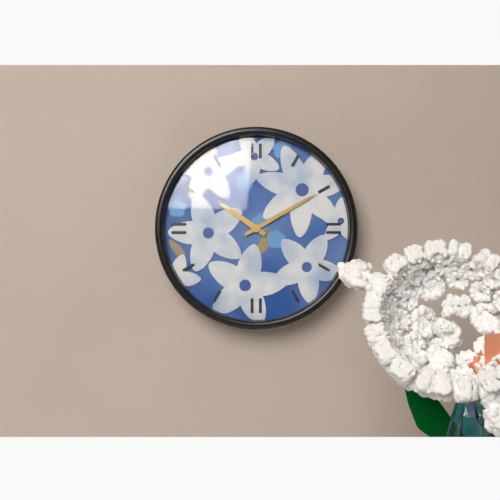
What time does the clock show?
10:10
